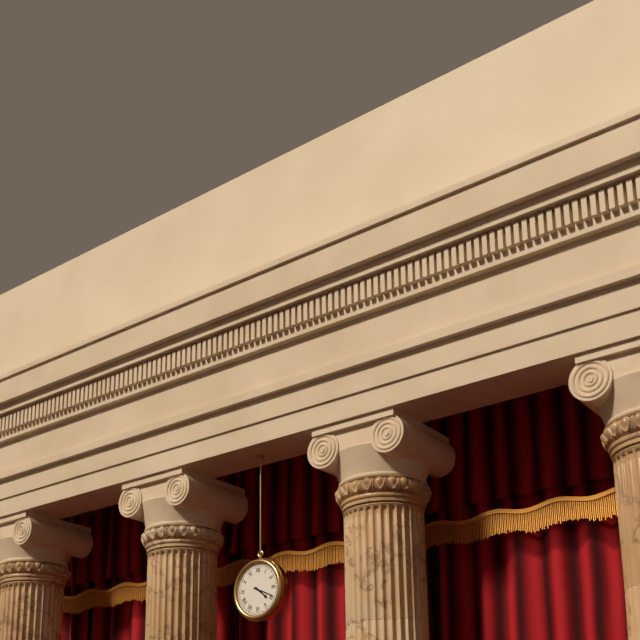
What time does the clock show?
4:19
